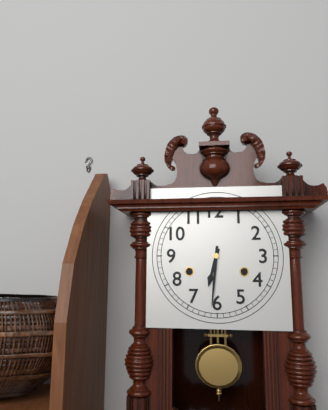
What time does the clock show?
6:31
